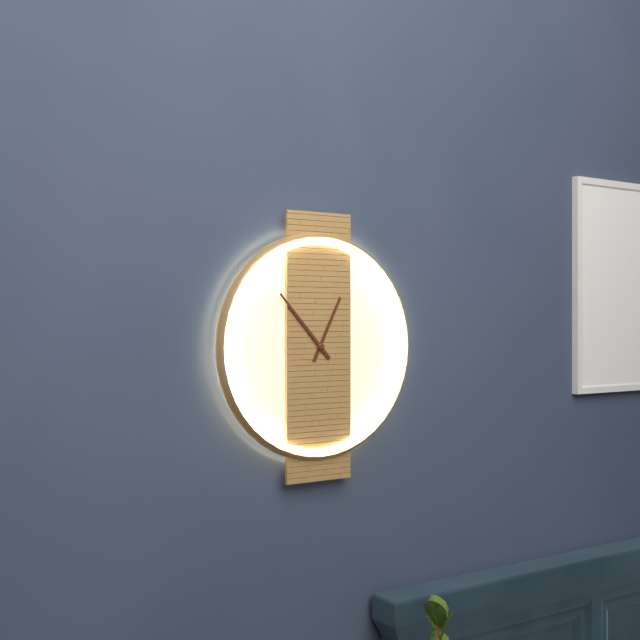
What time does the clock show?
12:53
